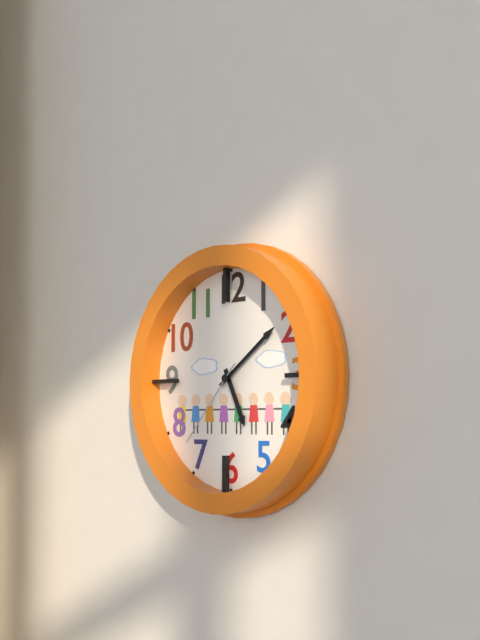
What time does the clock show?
5:09:37
